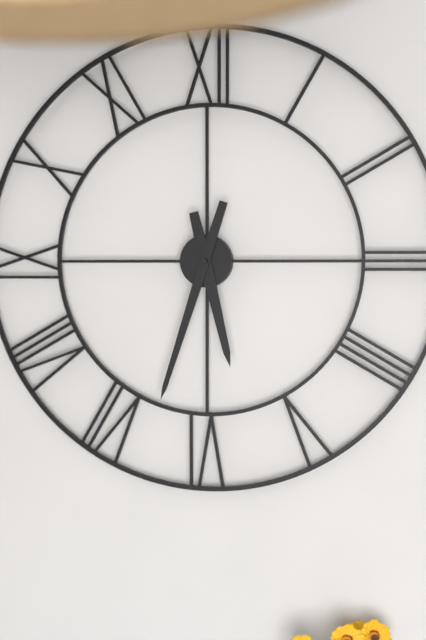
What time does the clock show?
5:33
